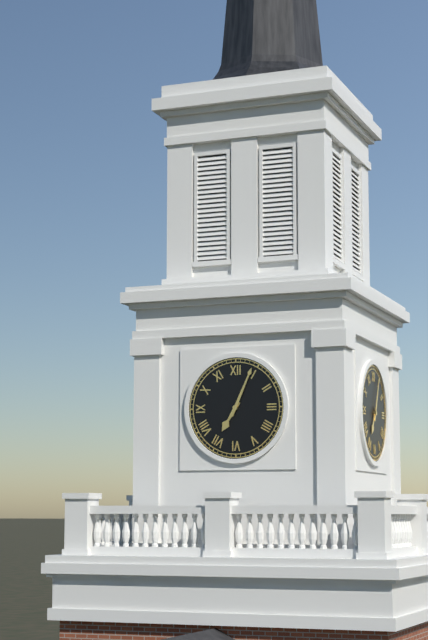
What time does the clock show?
7:04
